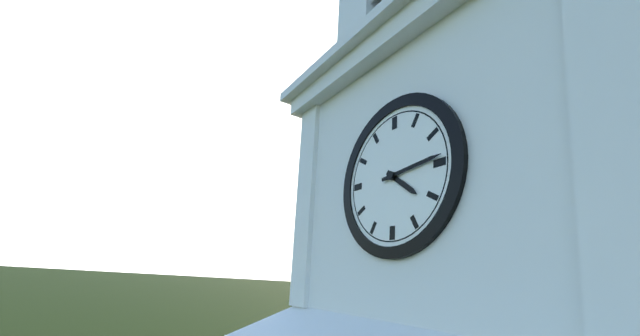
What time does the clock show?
4:14
